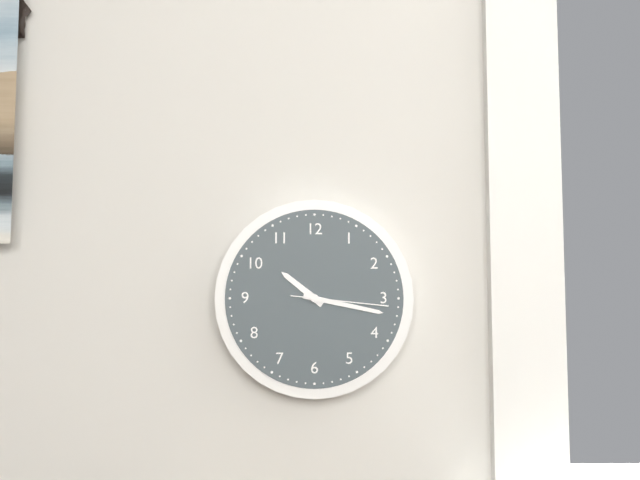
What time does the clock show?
10:17:16
